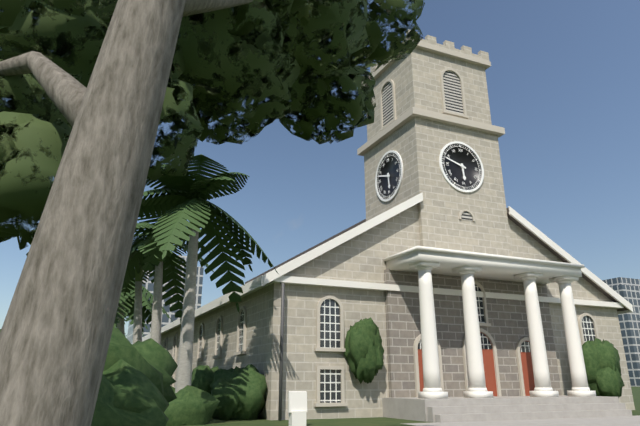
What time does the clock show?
5:48
